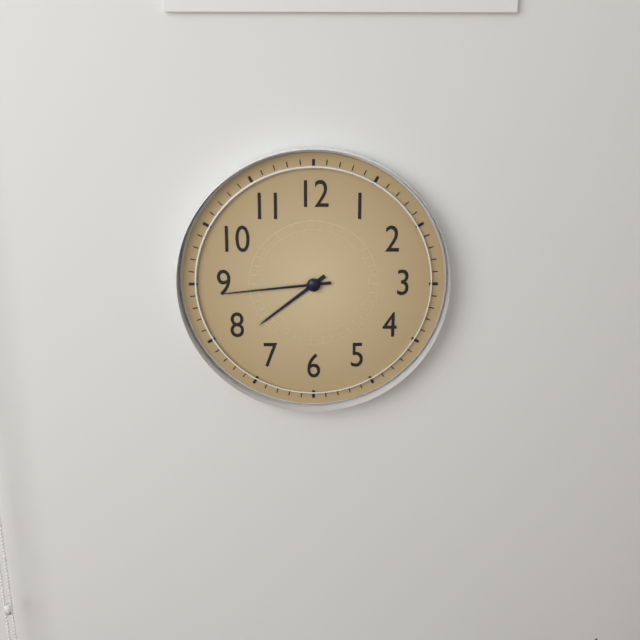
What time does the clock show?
7:44
